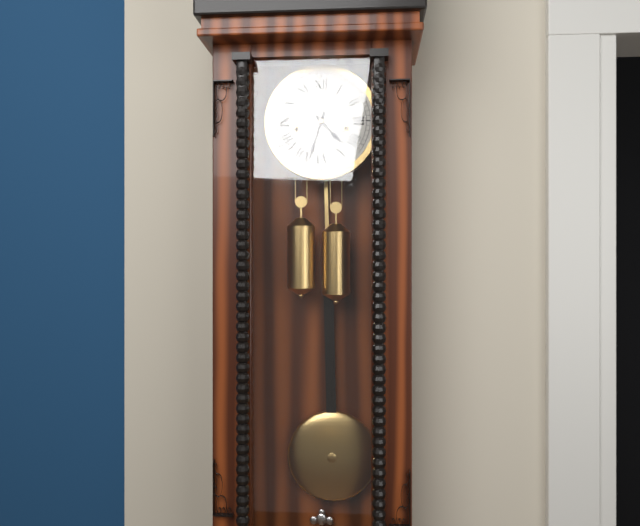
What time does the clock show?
4:33
